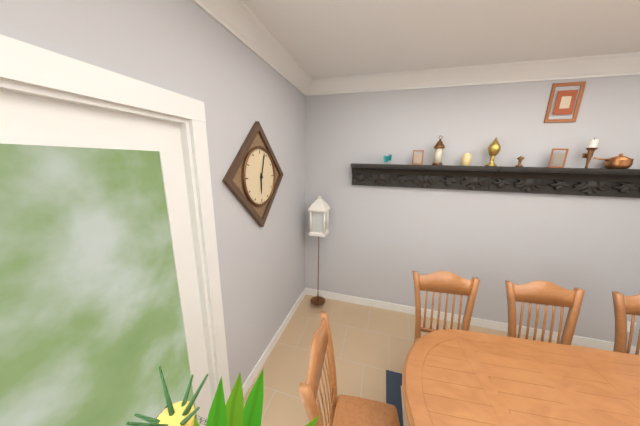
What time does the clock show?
6:03
